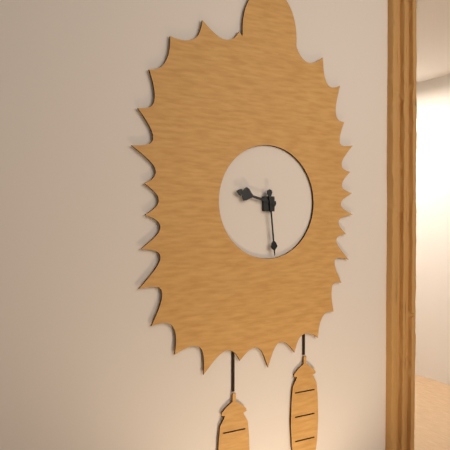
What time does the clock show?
9:29
